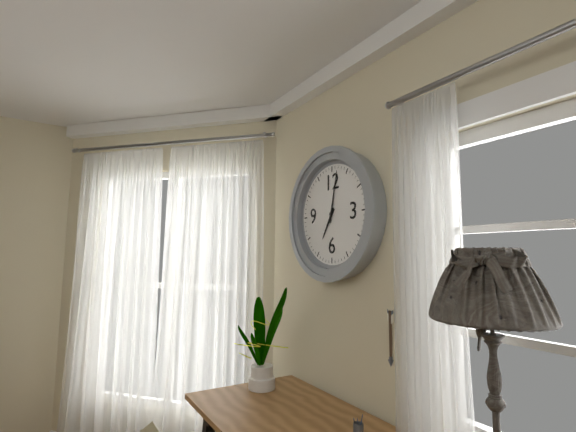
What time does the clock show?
7:02
